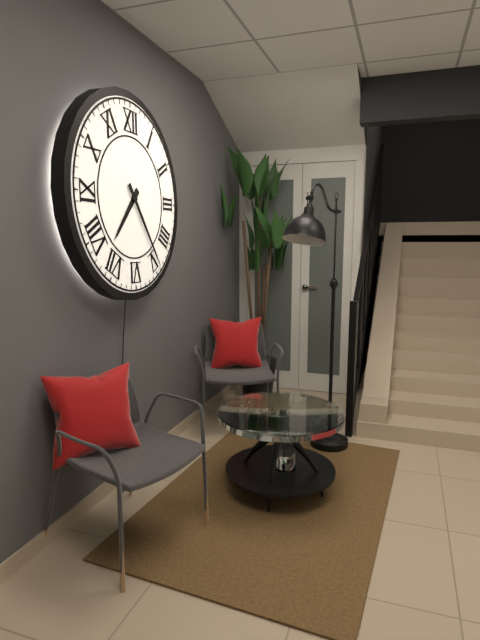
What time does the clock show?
7:24
